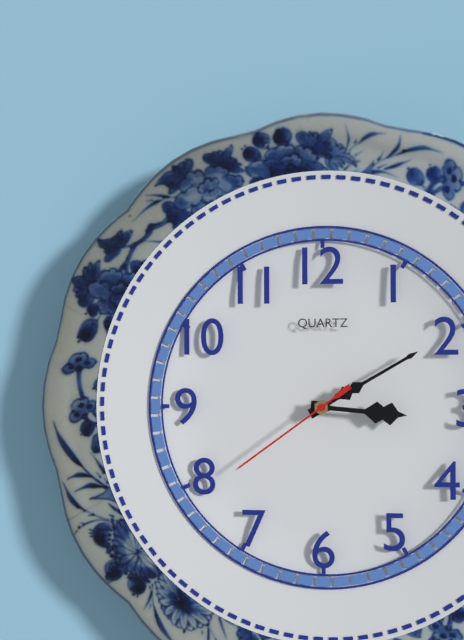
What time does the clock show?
3:10:39
